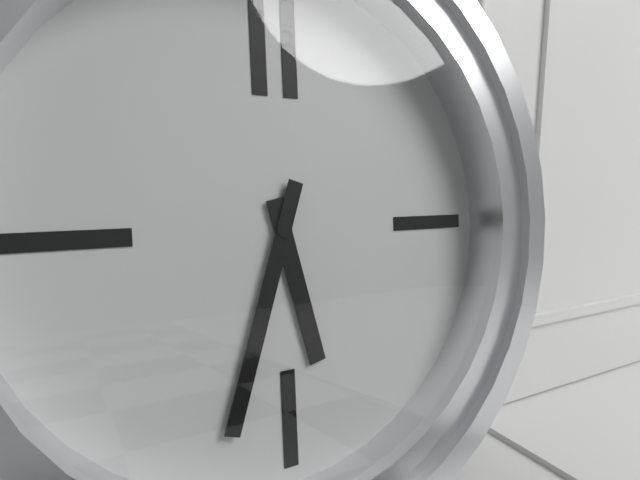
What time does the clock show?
5:33
